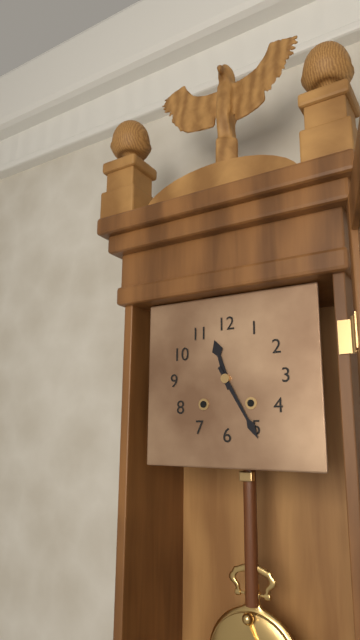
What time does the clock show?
11:25
